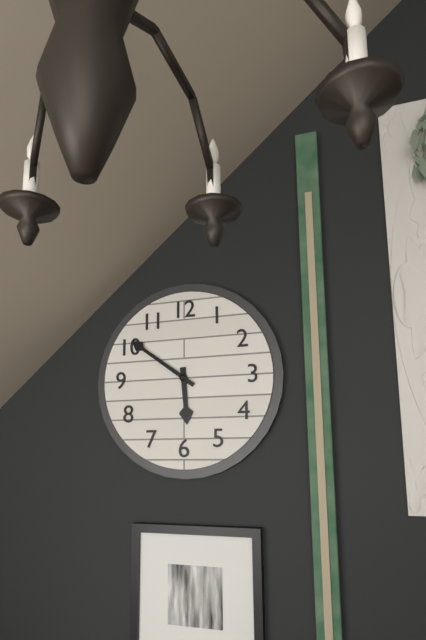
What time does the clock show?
5:51
